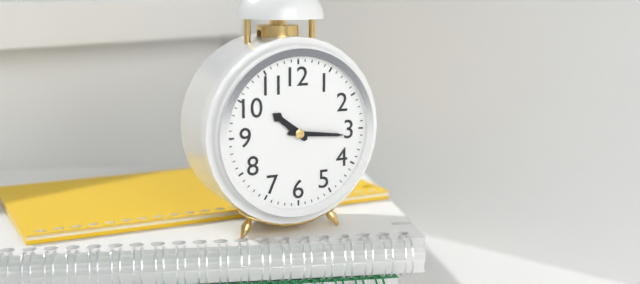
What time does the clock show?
10:16
